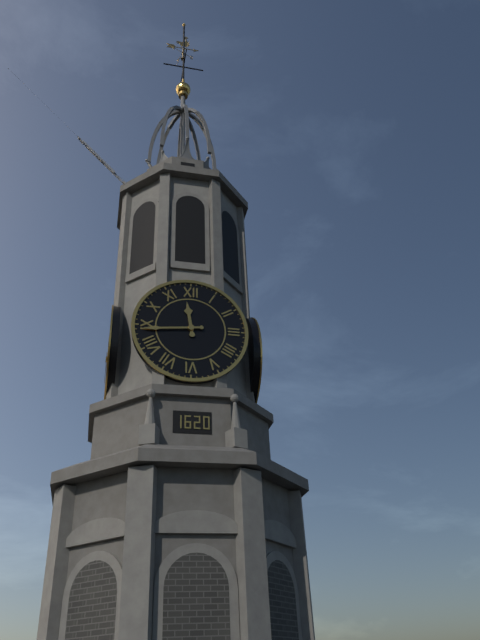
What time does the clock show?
11:44
